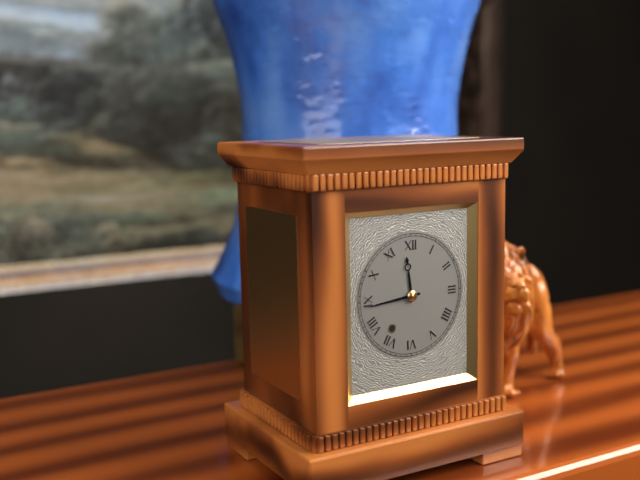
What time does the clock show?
11:44
